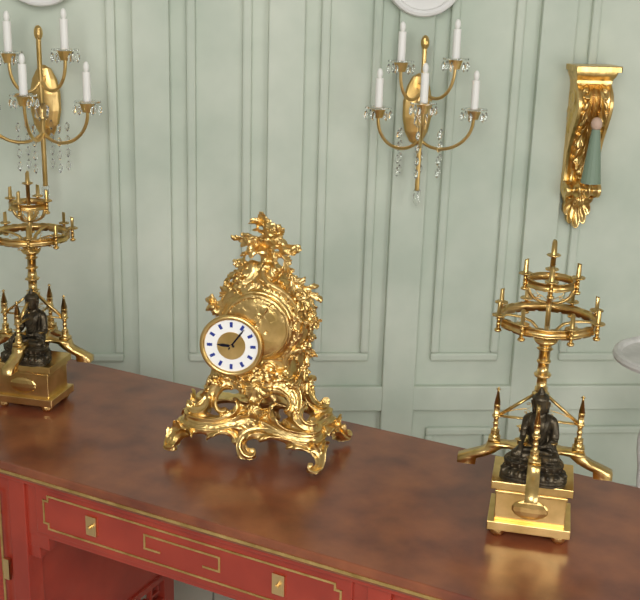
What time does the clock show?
9:06
